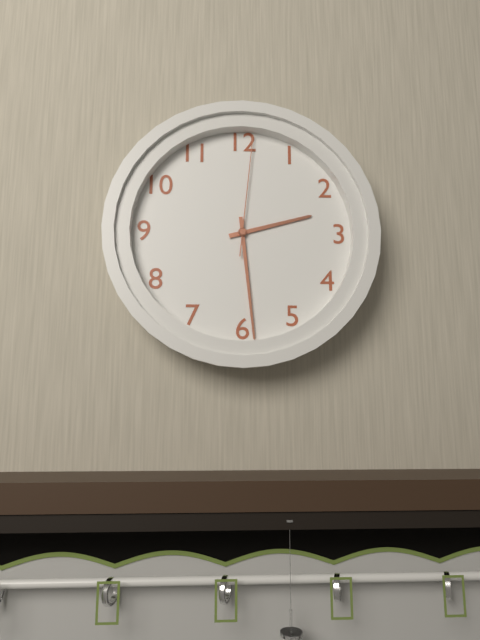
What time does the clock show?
2:29:01
